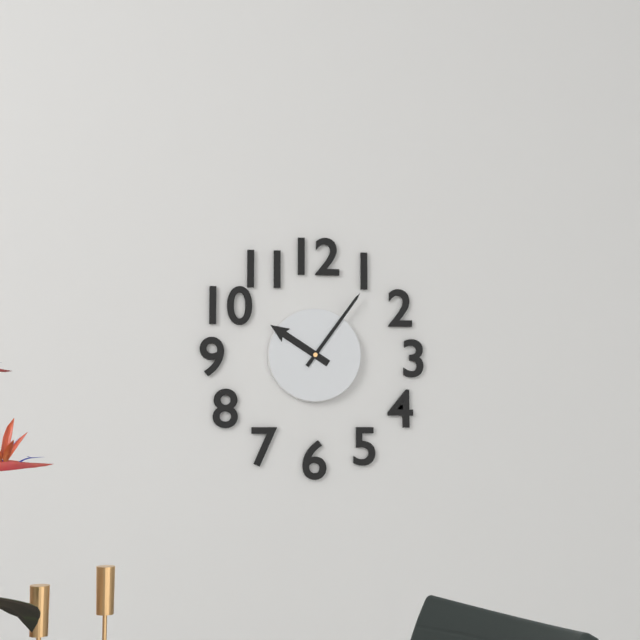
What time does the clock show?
10:06
